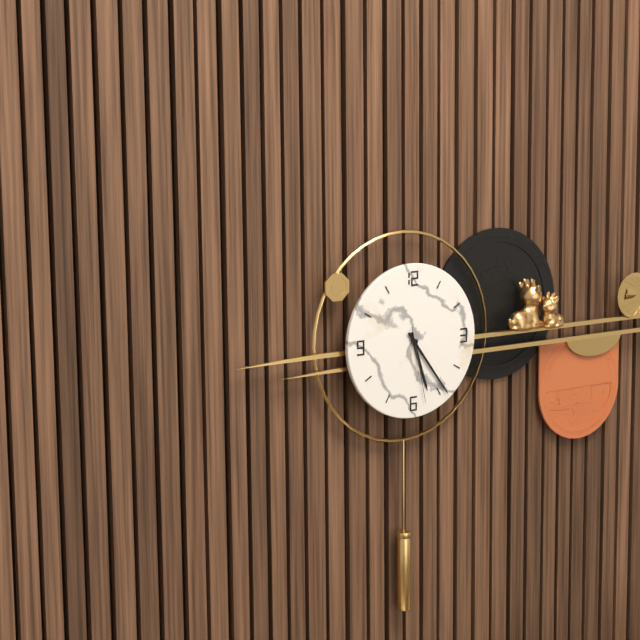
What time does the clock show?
5:24:28
